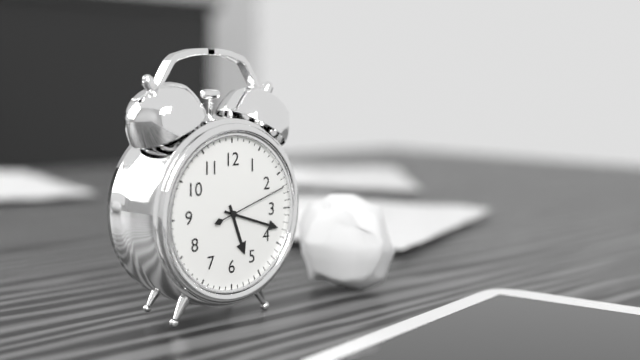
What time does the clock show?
5:18:12
